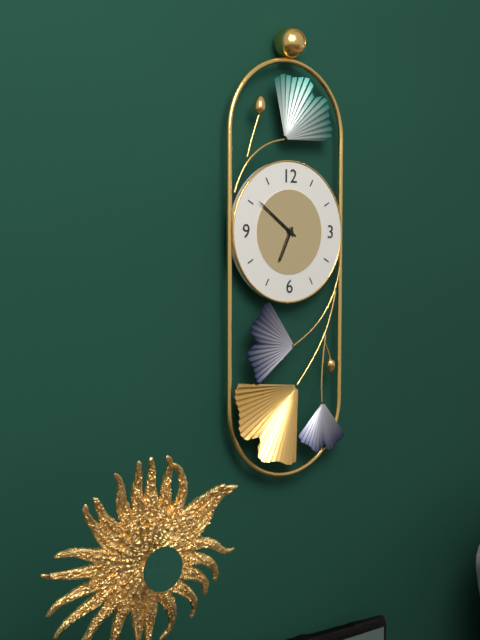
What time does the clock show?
6:51
